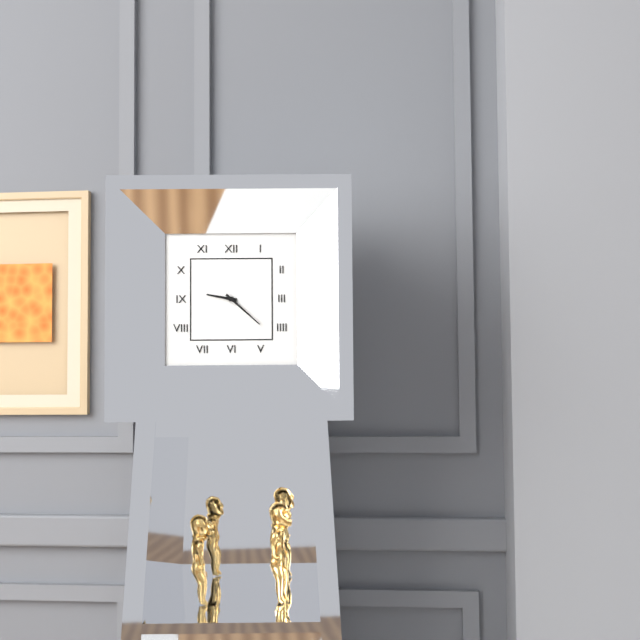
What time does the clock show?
9:22
